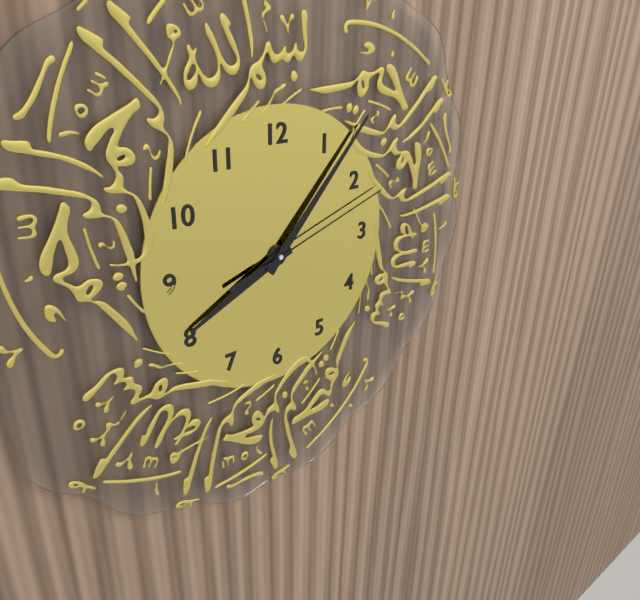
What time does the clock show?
8:07:12
